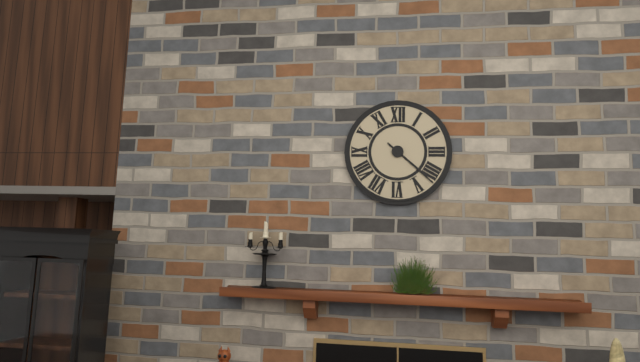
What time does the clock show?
4:22
